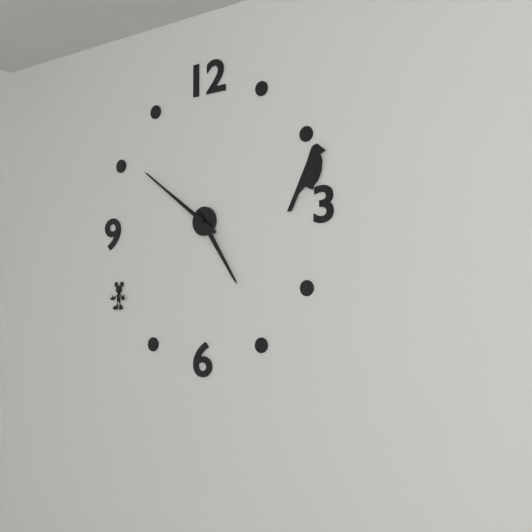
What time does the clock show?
4:51
